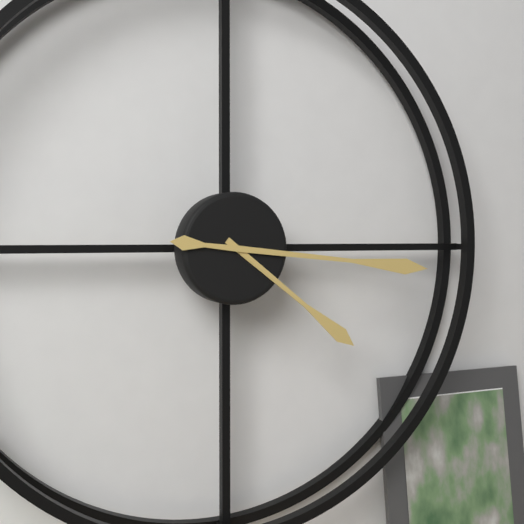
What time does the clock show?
4:16
